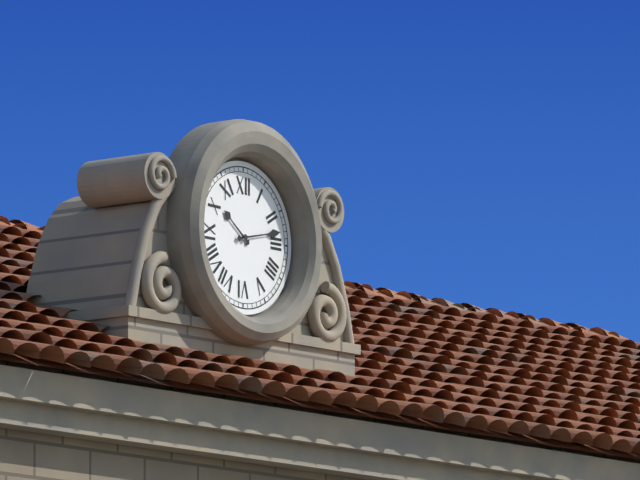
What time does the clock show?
10:13
